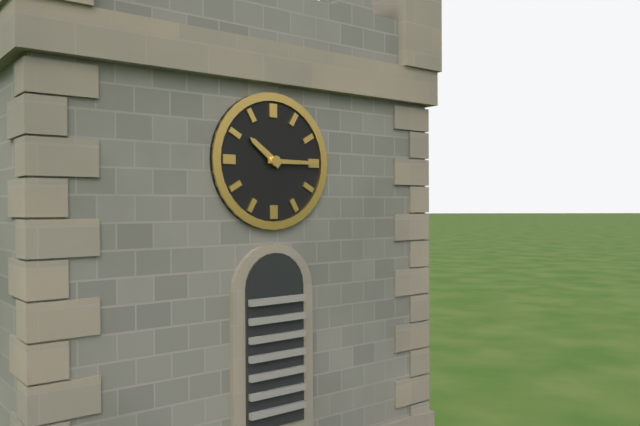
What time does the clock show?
10:15
